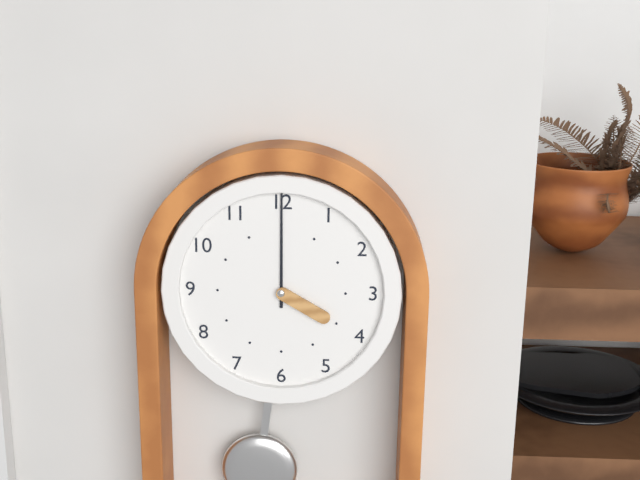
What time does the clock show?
4:00
